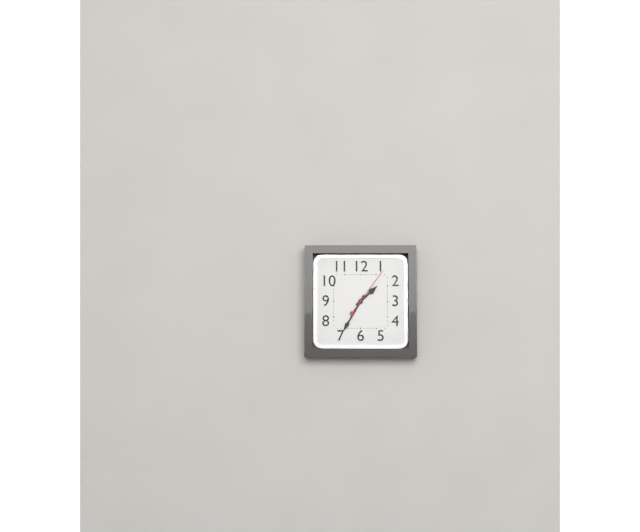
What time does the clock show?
1:35
